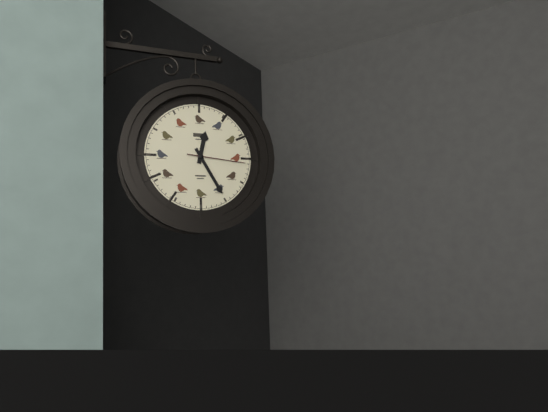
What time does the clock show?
12:25:16
